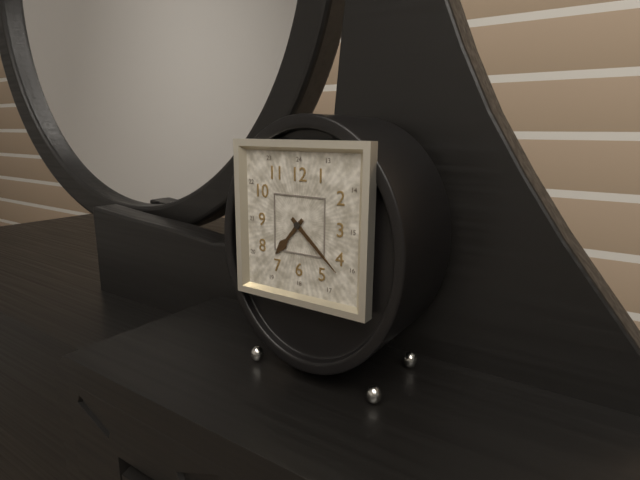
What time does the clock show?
7:22
